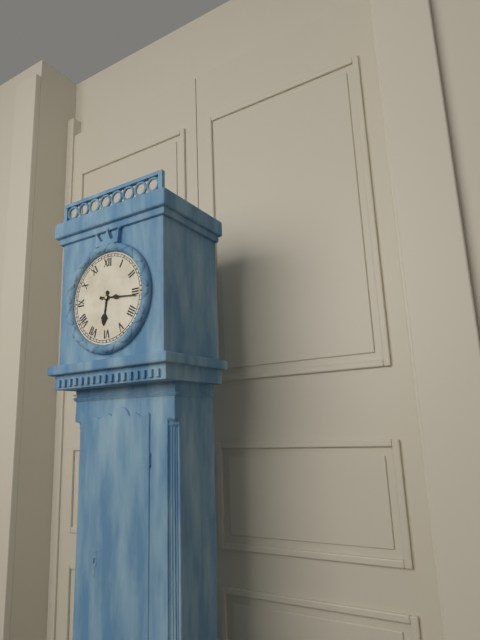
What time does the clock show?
6:16
